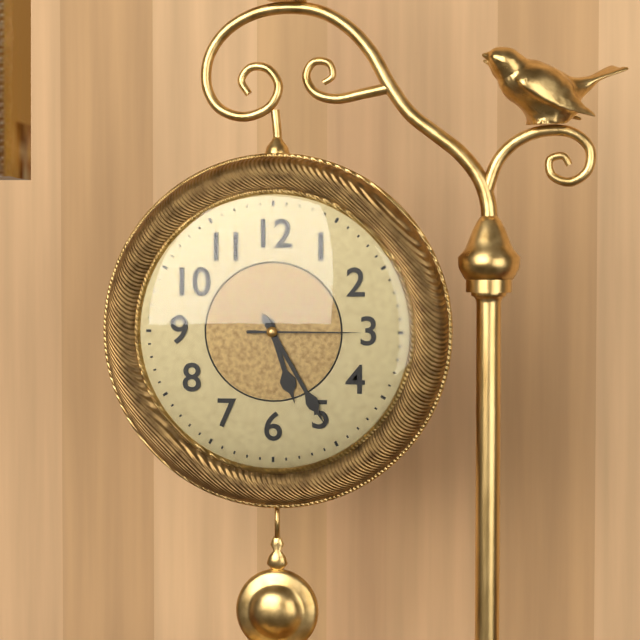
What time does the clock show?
5:25:15
